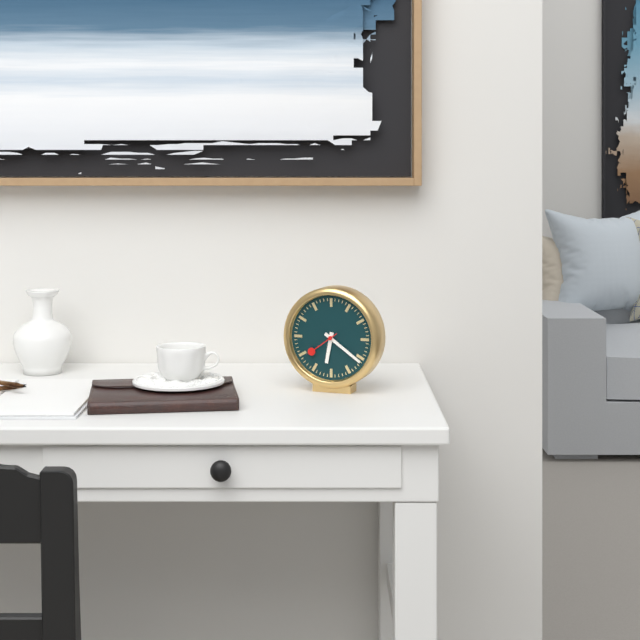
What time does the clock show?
6:21
